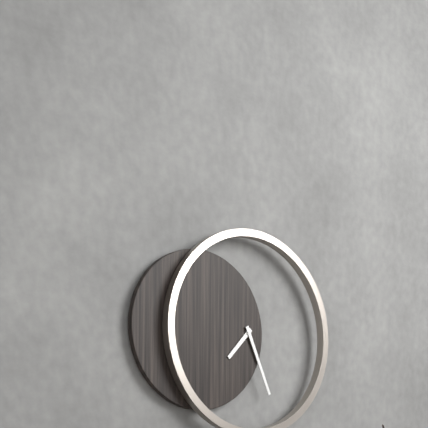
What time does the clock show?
7:26
